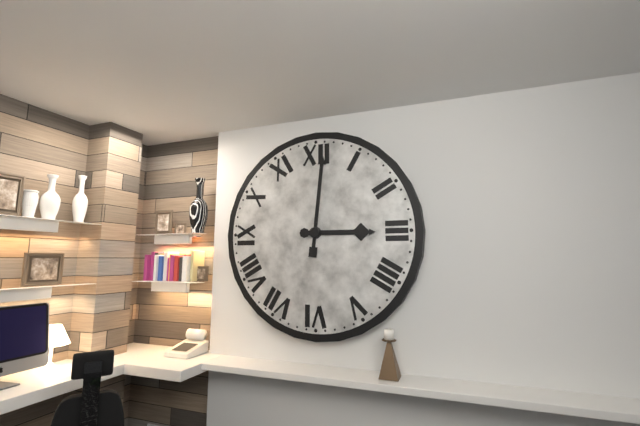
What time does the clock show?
3:01
